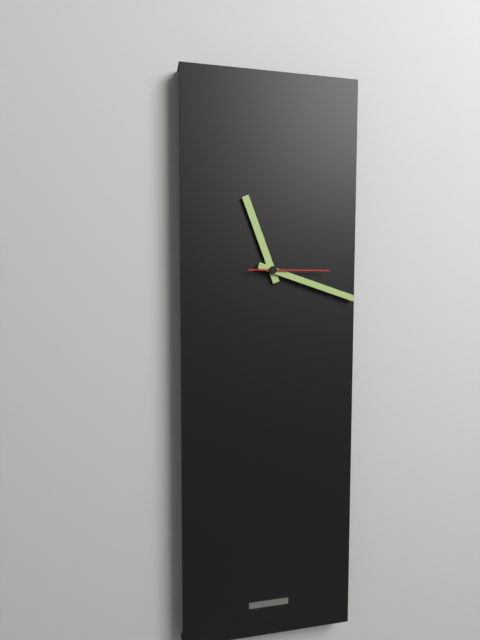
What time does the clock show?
11:18:15
